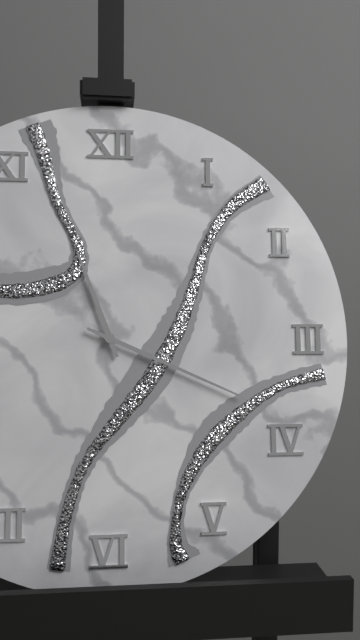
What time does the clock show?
11:19
